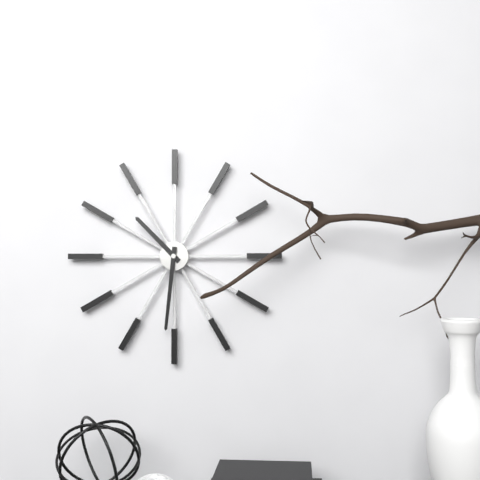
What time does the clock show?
10:31
